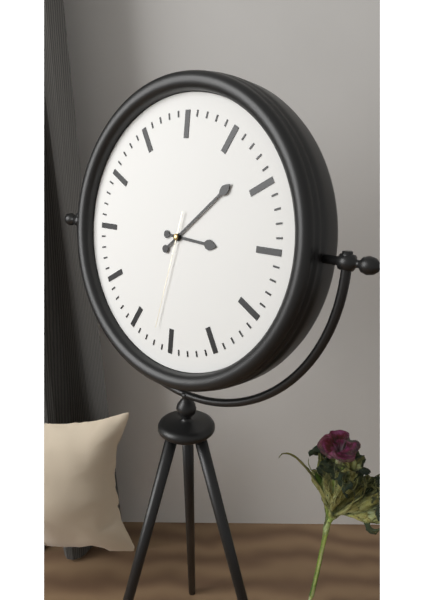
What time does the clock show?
3:08:32
